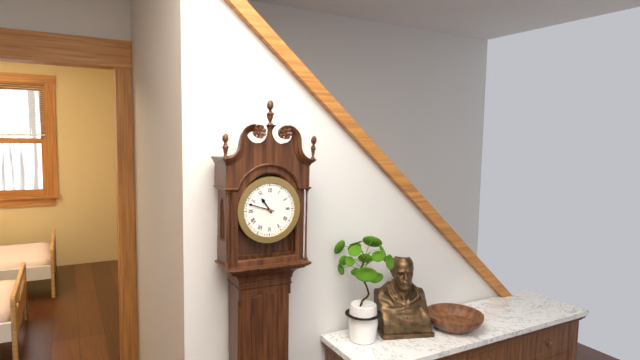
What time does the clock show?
10:48
